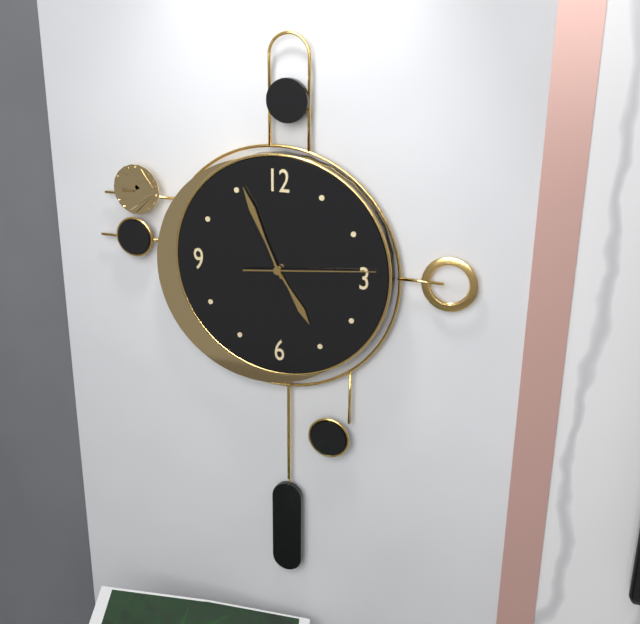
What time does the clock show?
4:56:14
